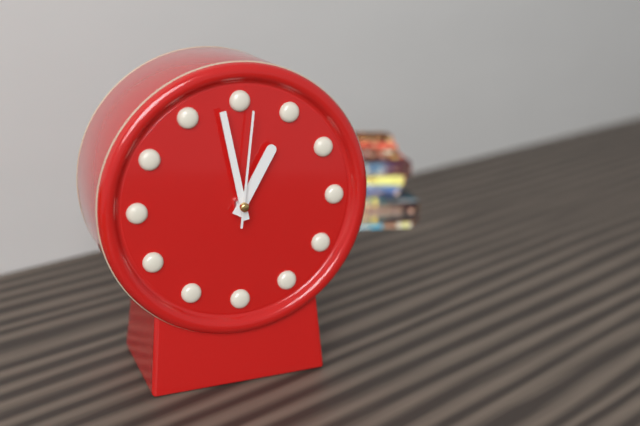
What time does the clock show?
12:58:01
